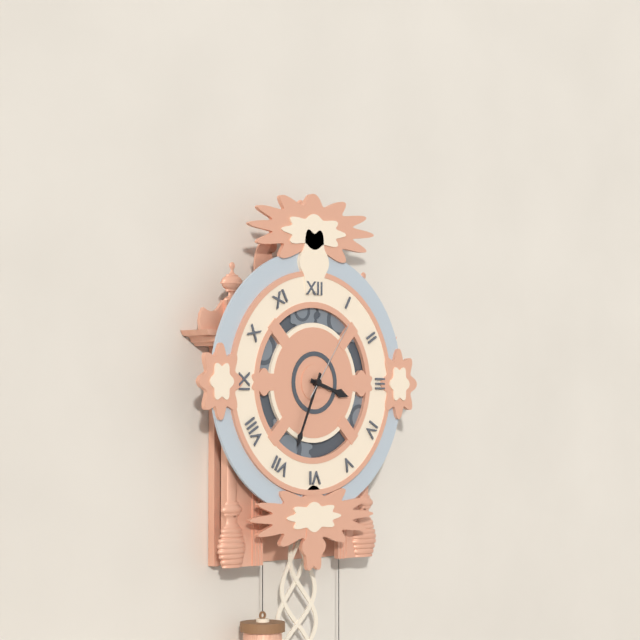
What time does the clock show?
3:34:06
